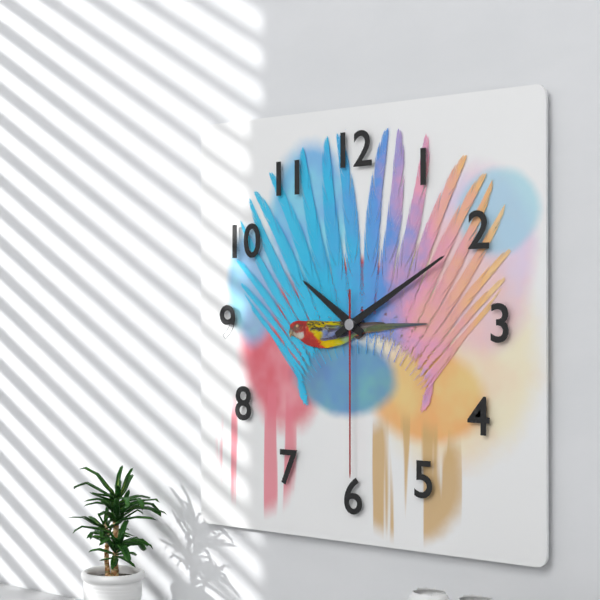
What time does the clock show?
10:10:30
